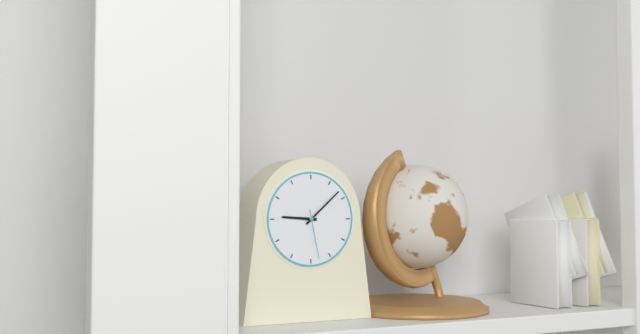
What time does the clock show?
9:08:28
